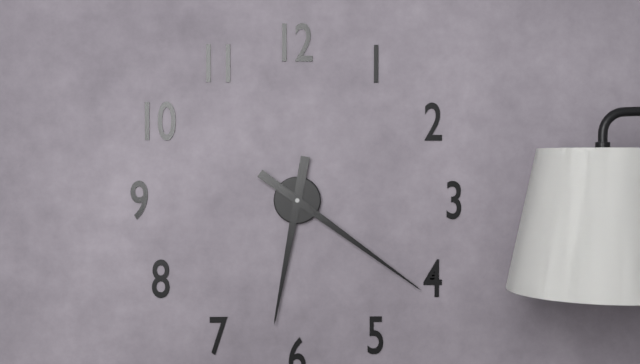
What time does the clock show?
6:21
